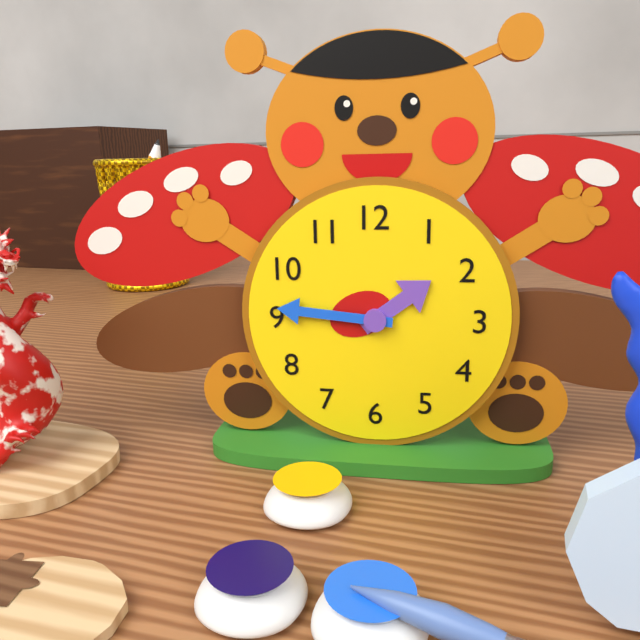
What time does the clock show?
1:46
